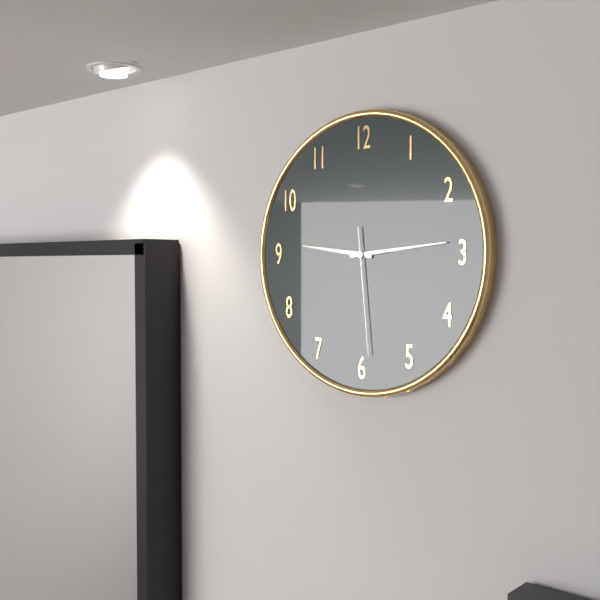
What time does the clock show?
9:14:29
